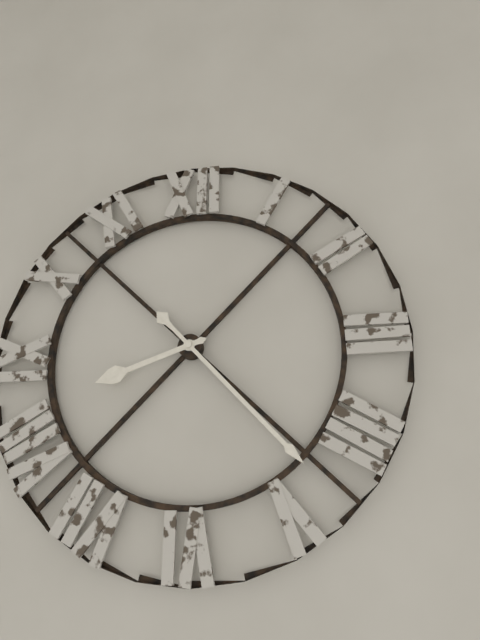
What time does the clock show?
8:23
